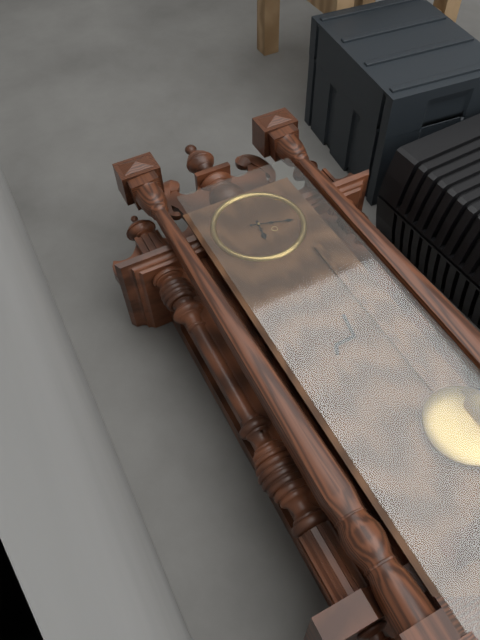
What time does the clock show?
6:18
